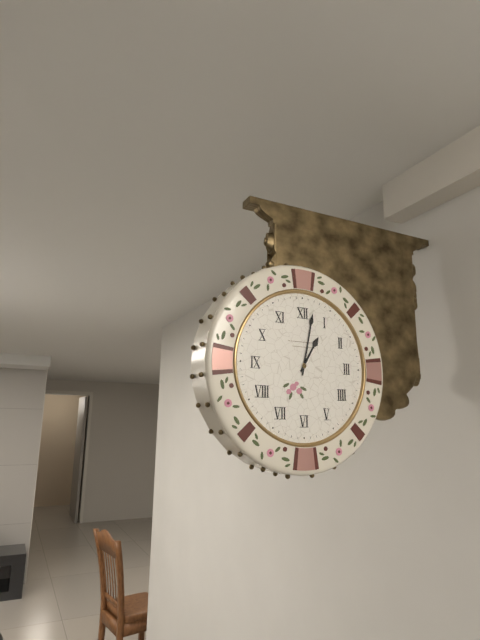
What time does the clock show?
1:02
